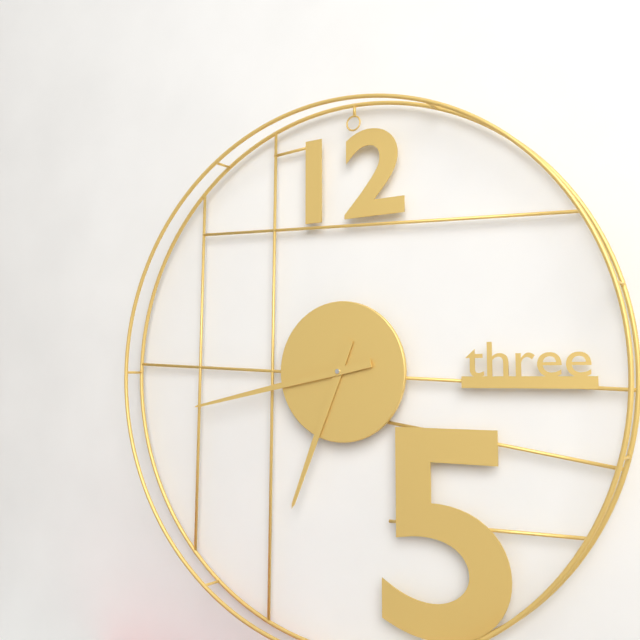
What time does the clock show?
6:43
